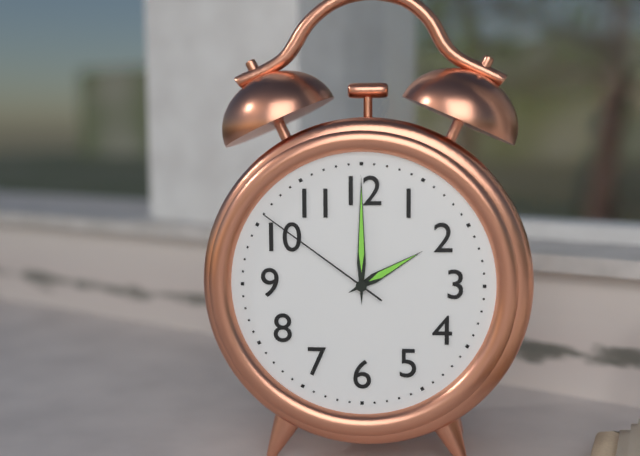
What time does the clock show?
2:00:51
